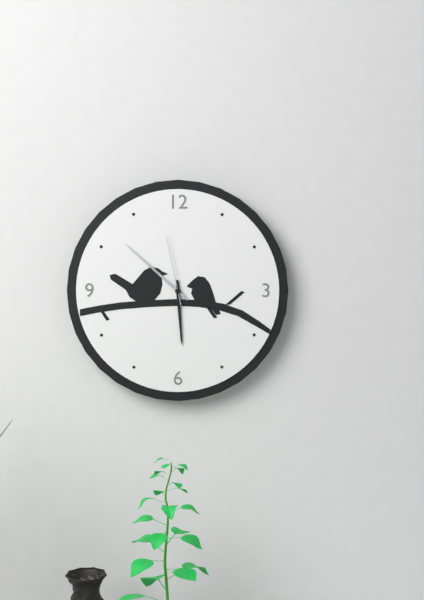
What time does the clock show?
5:52:58
